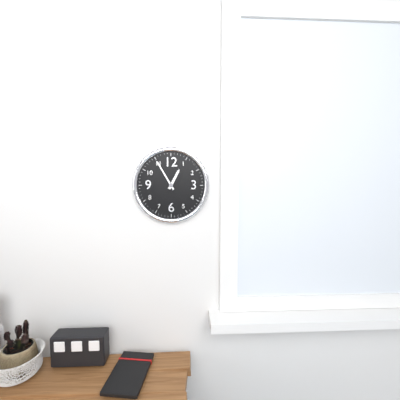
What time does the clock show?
12:55
